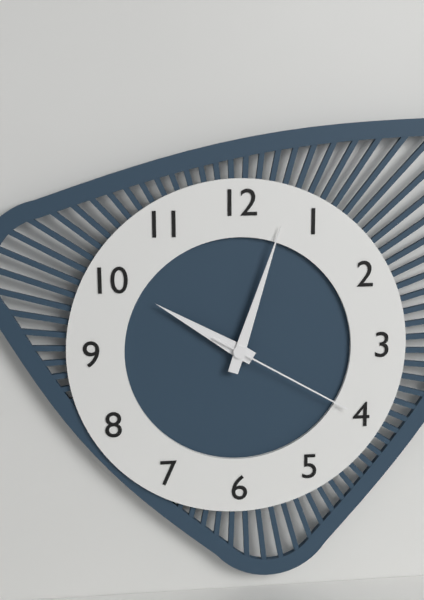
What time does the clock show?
10:03:20
